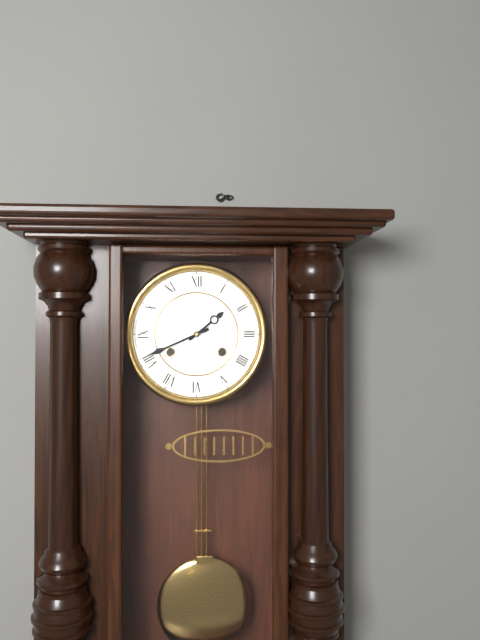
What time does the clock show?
1:41
